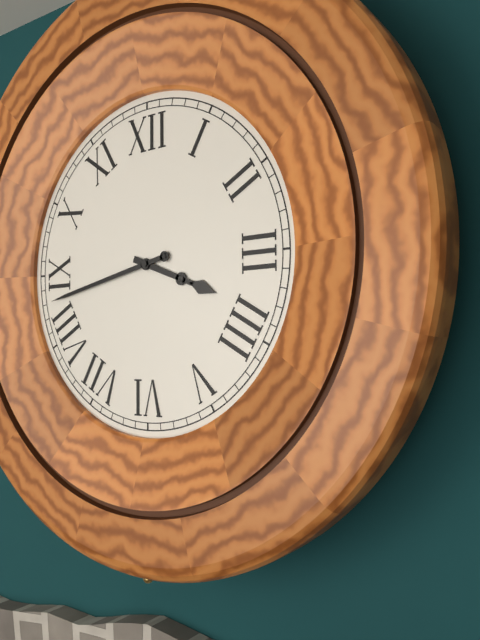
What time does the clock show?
3:43
